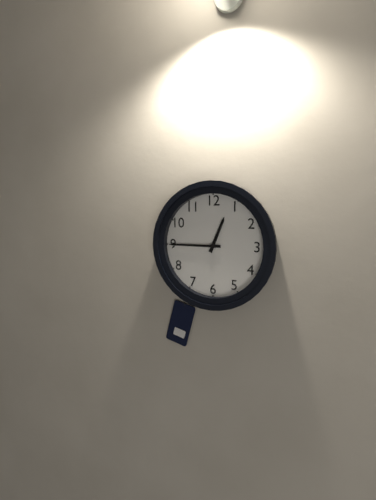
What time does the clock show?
12:45
